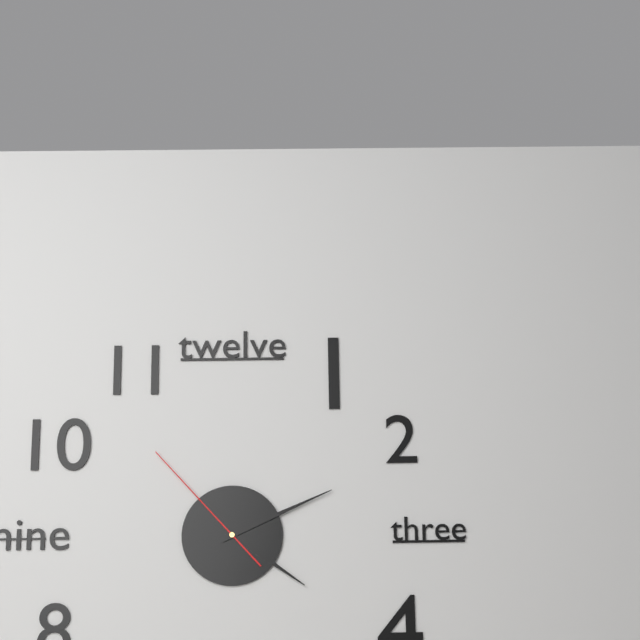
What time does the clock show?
4:11:53
